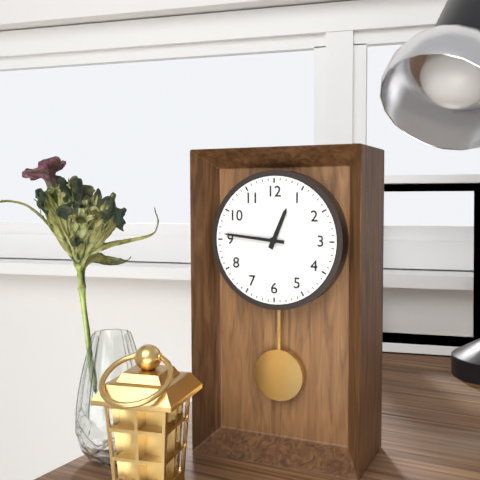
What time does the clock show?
12:46
